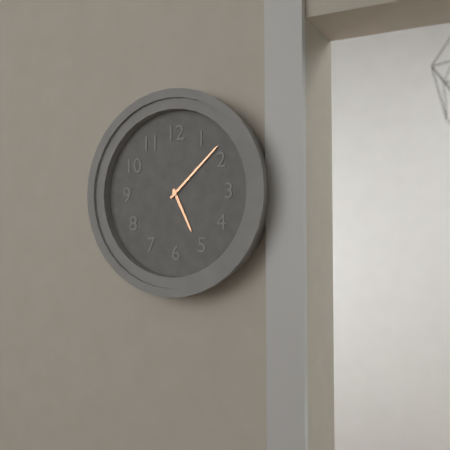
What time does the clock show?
5:08
